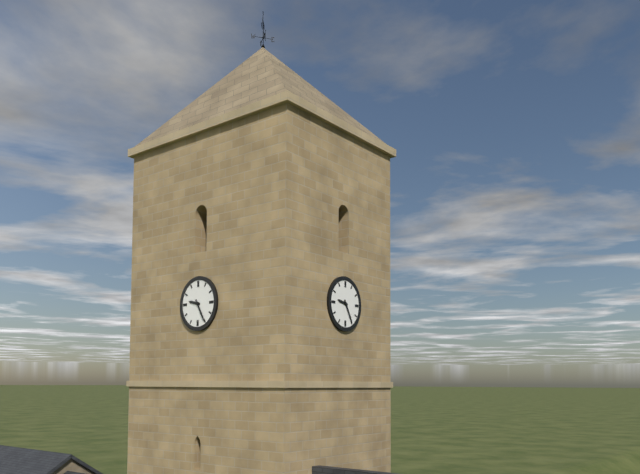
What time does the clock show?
9:25
